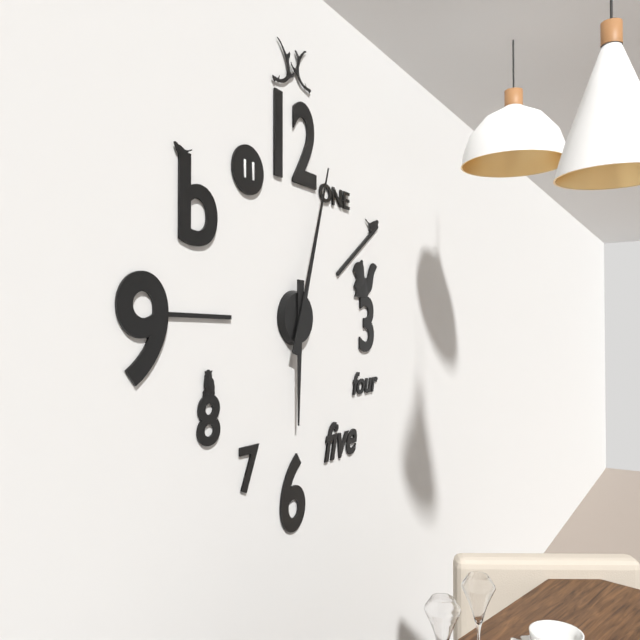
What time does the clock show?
6:03
